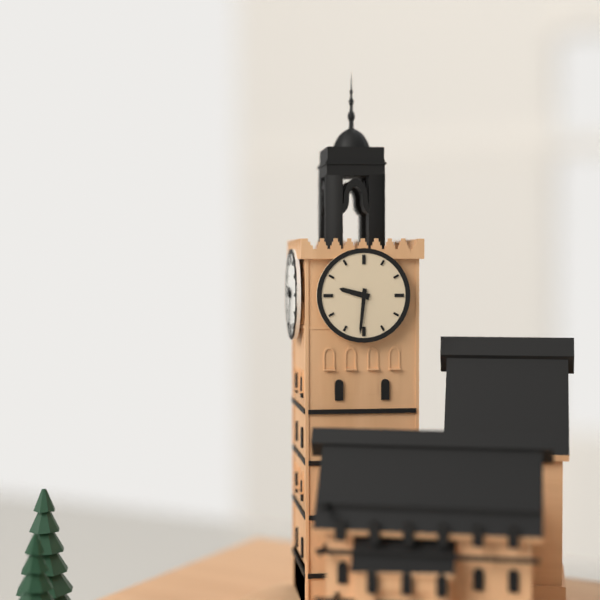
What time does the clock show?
9:31
